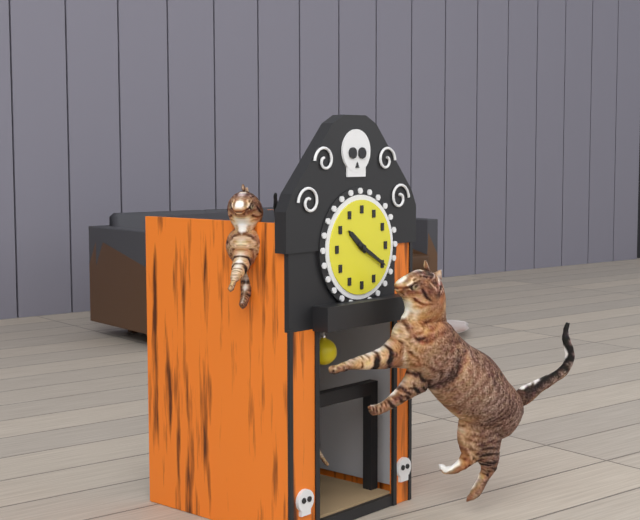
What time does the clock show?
10:20
